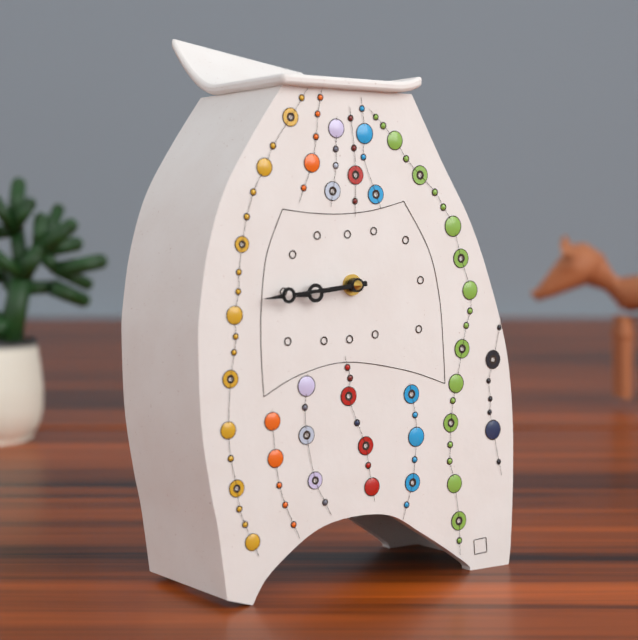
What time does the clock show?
8:44
